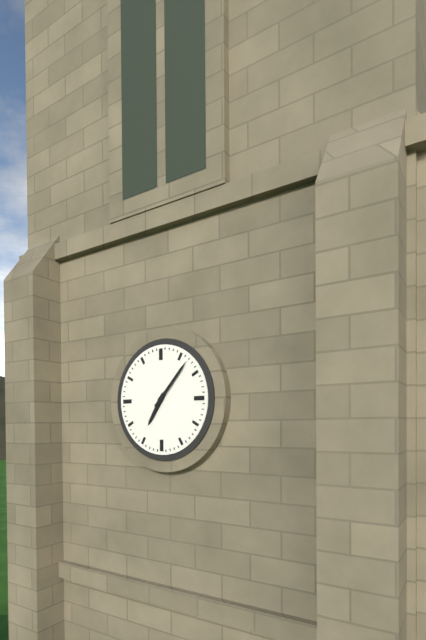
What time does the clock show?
7:07
